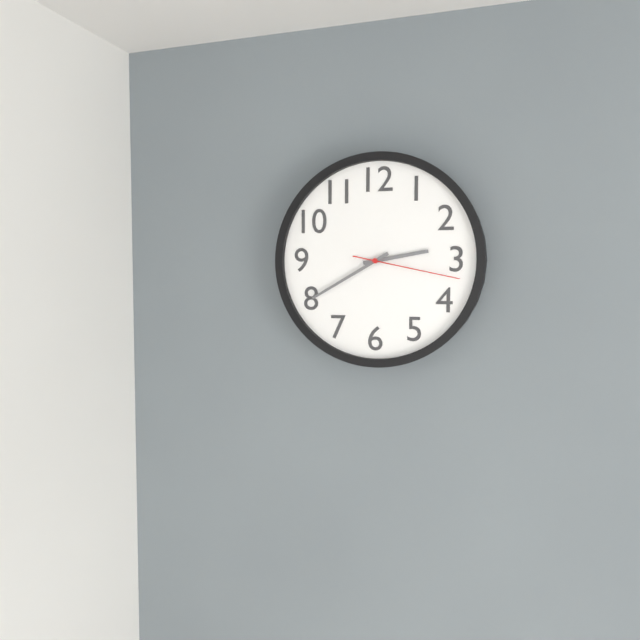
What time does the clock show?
2:40:17
